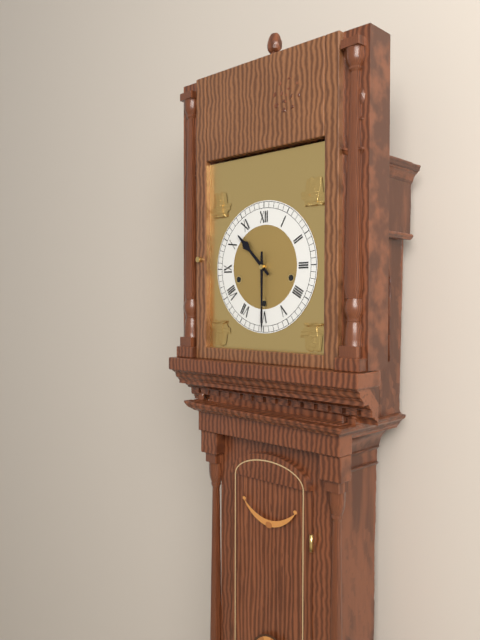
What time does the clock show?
10:30
